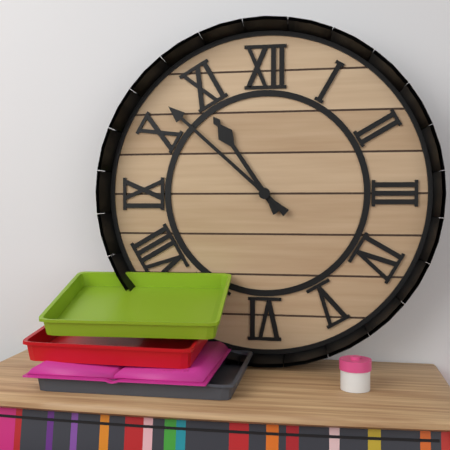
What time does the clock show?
10:52
